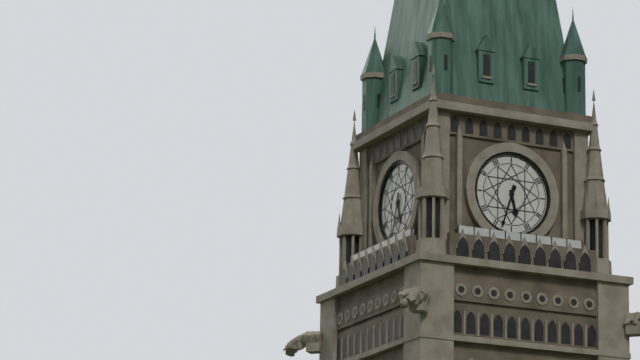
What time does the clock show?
5:33
